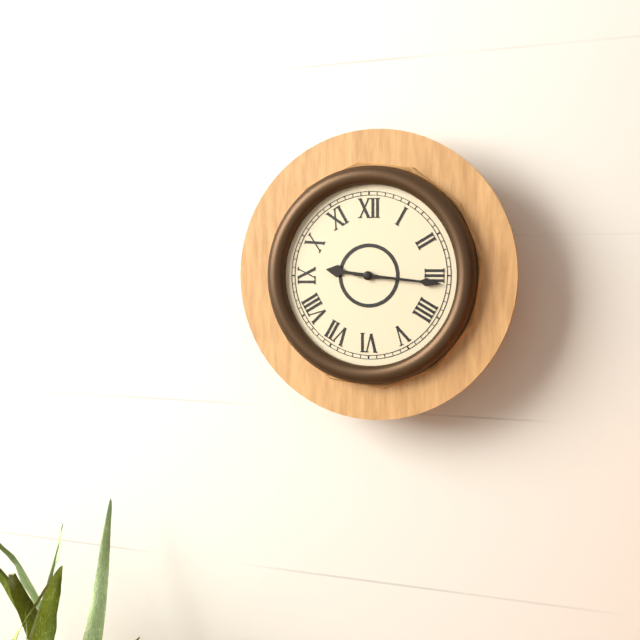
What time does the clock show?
9:16
